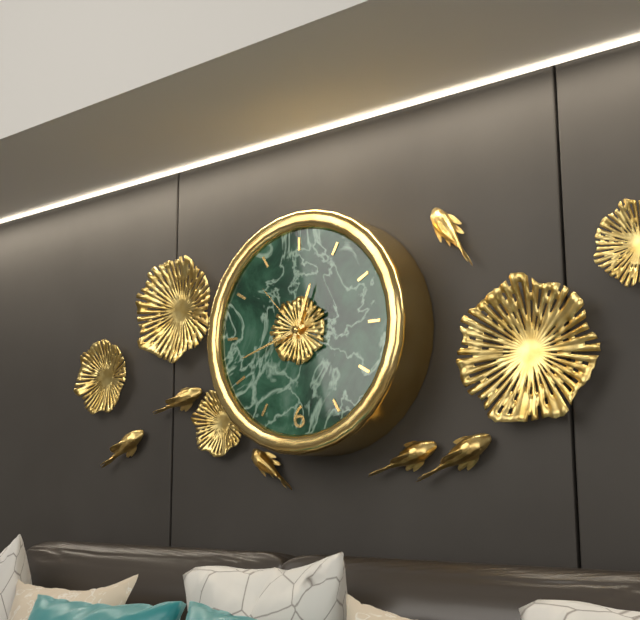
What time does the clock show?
12:42:53
